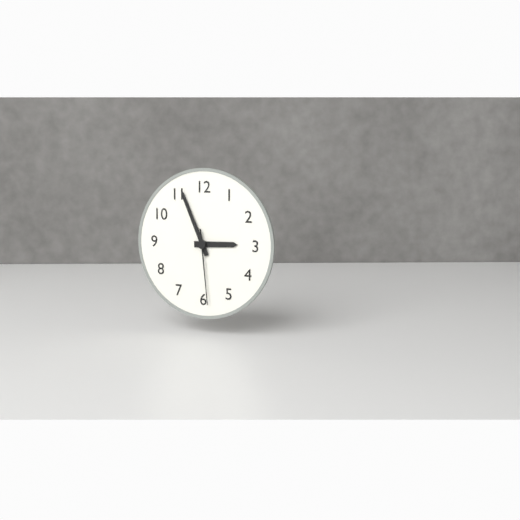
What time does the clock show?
2:56:29
